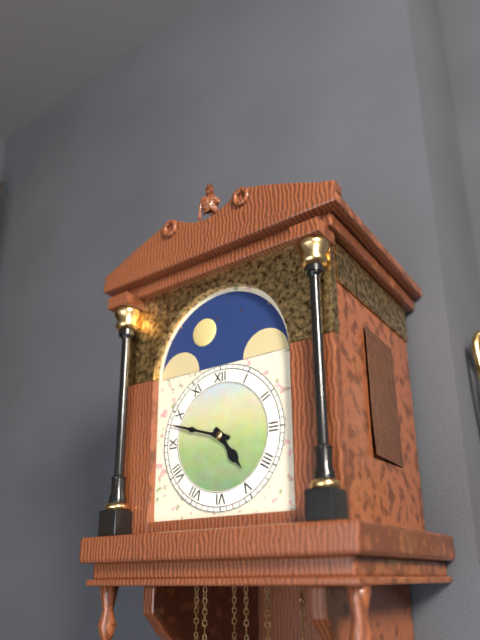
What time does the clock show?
4:48
